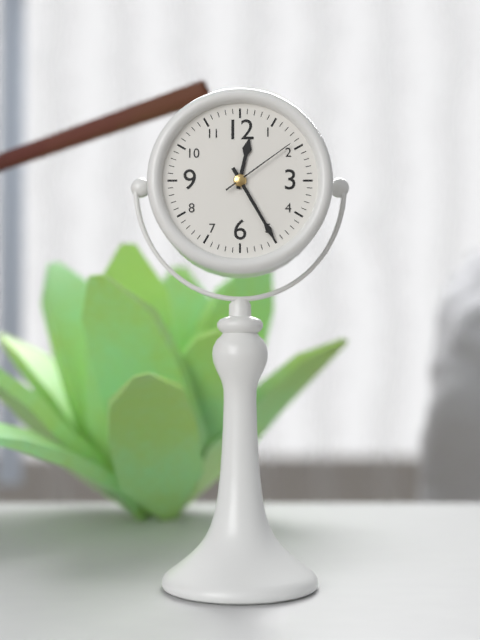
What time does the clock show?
12:25:09
